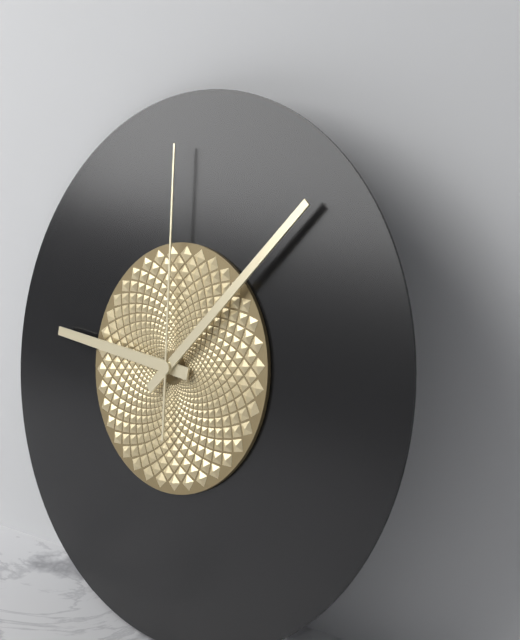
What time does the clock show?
9:07:59
